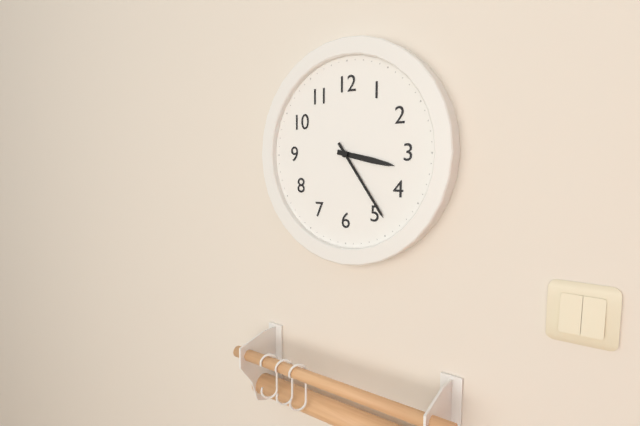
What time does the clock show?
3:24
